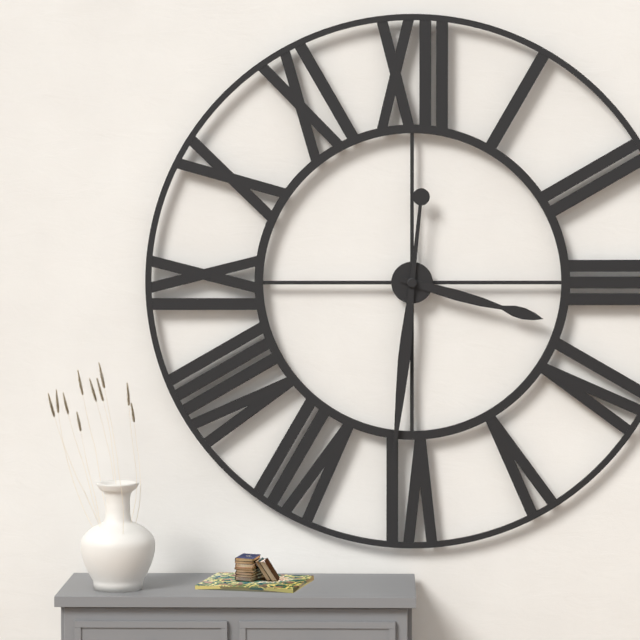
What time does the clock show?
3:31
